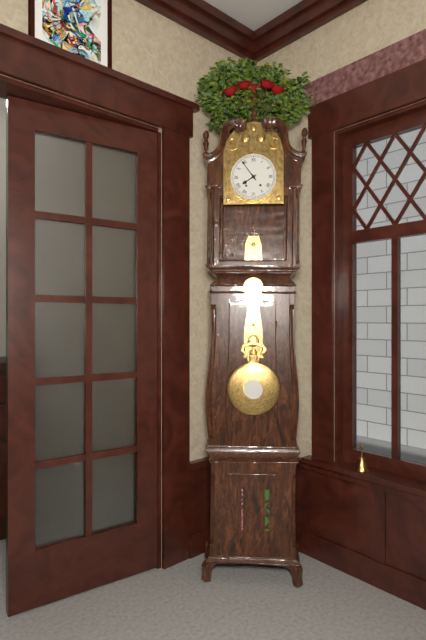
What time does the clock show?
7:54
